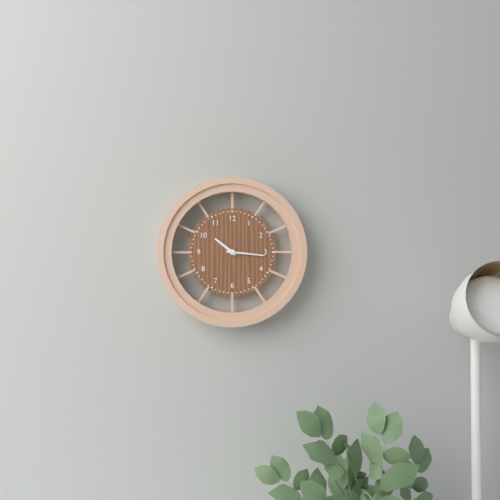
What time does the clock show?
10:16
